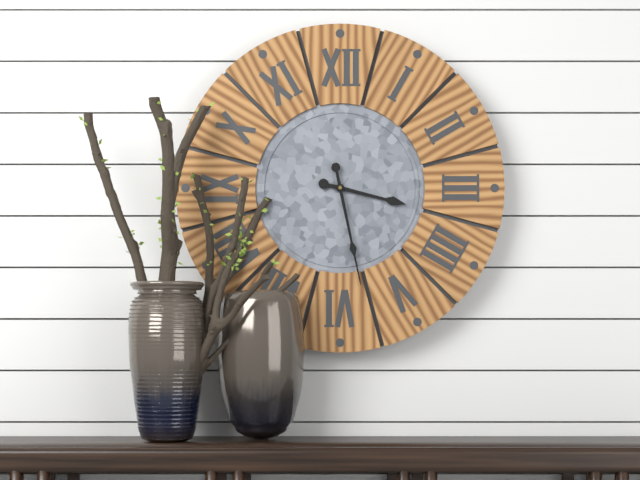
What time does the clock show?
3:28
